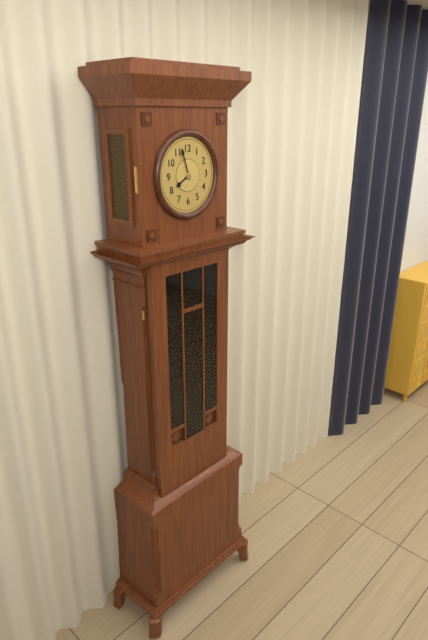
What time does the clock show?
7:57
